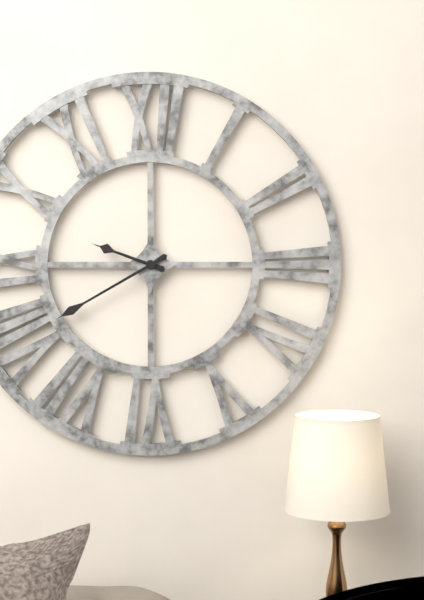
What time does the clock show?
9:40
